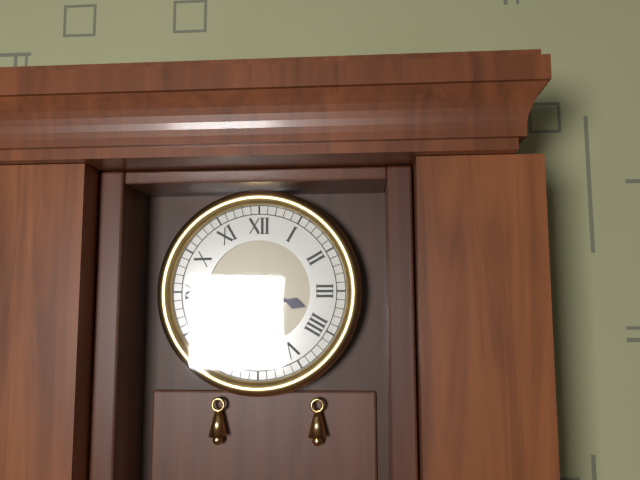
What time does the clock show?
3:37
